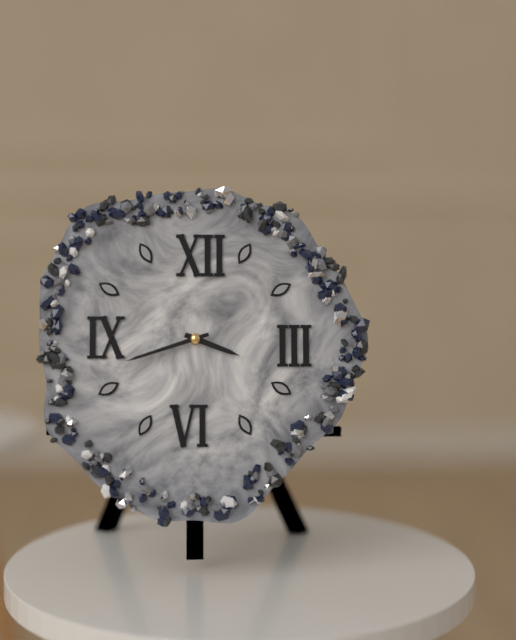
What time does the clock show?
3:42
